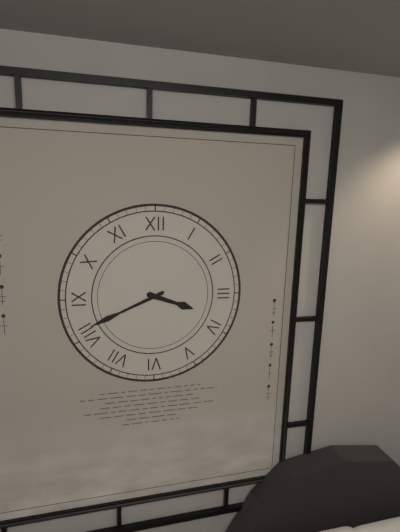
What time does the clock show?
3:41
